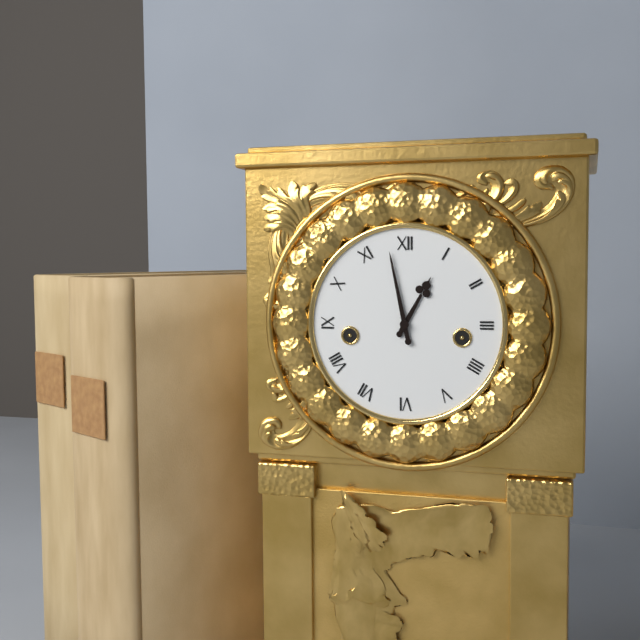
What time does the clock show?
12:58
